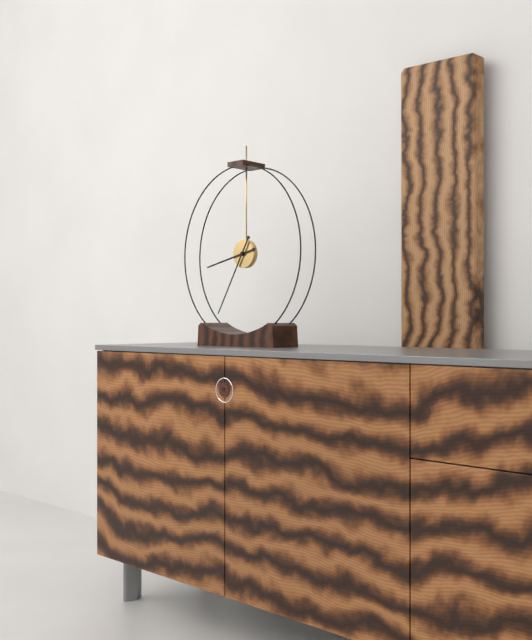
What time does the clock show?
8:35
